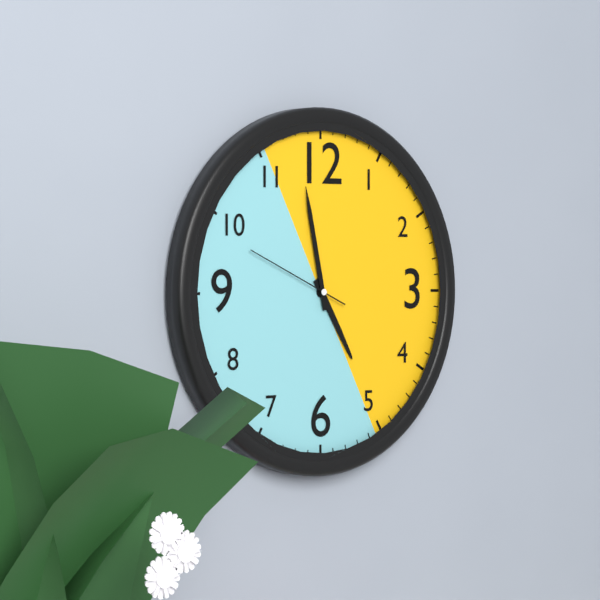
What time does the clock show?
4:58:49
